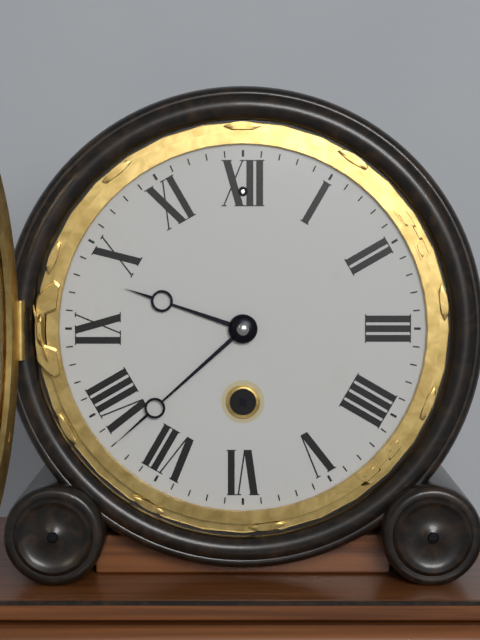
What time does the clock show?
9:38
